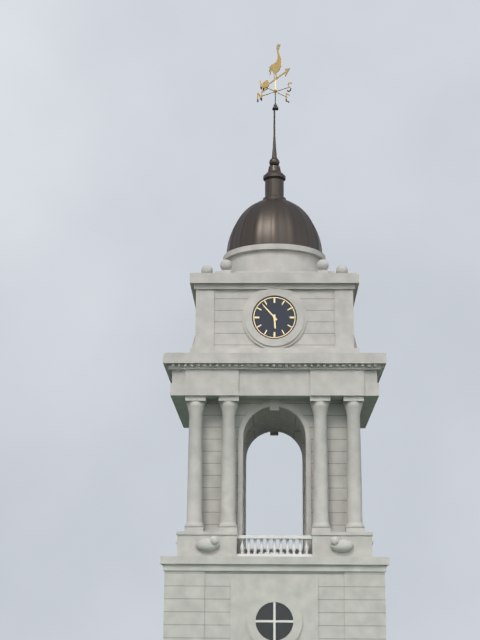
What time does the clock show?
5:53
